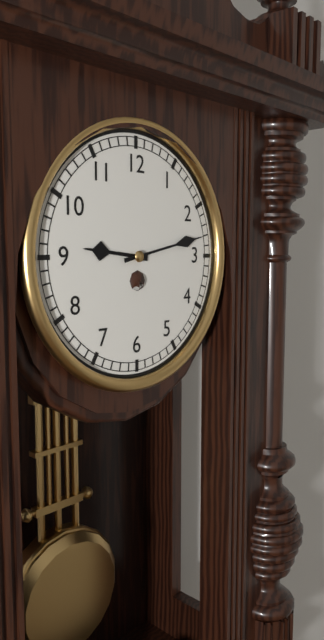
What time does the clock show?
9:13
